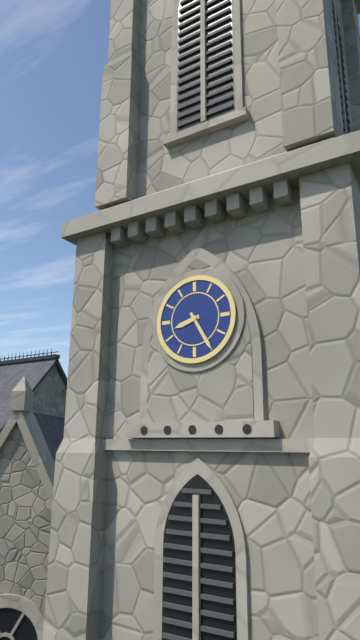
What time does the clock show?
8:25
